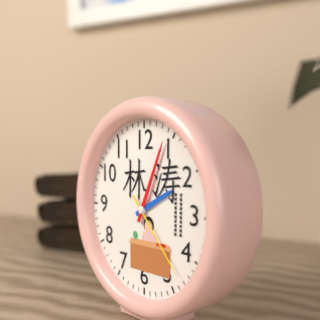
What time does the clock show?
2:04:23
